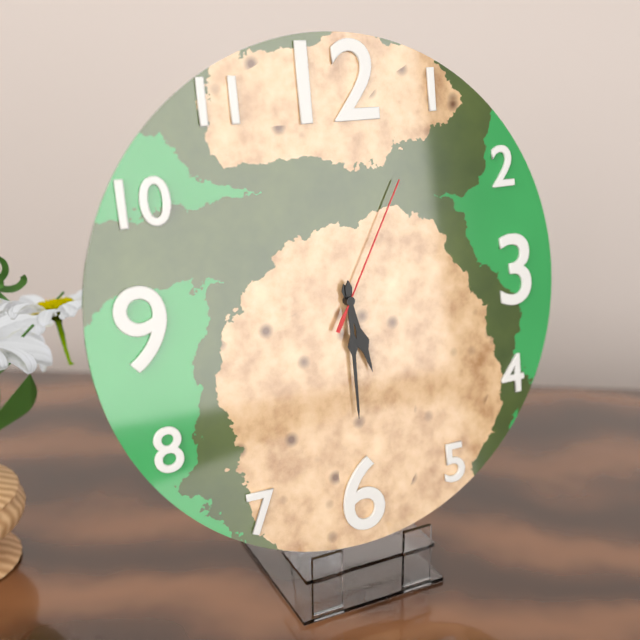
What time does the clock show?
5:30:05
